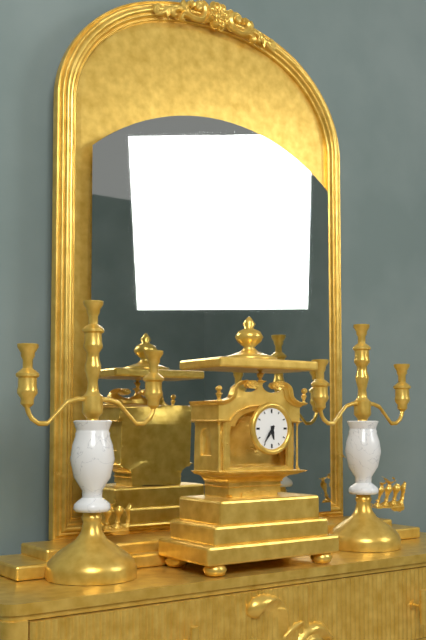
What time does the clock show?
5:36
